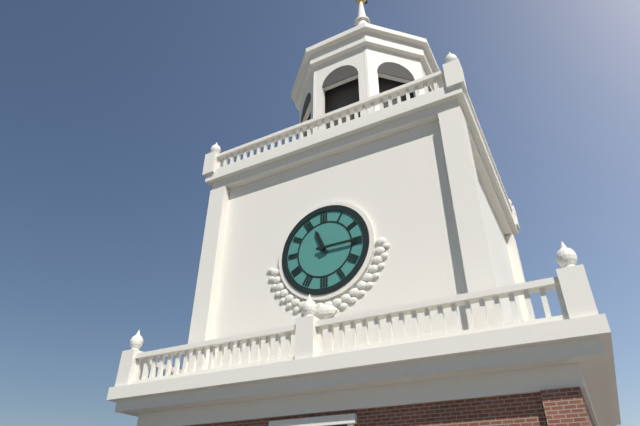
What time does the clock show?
11:15
